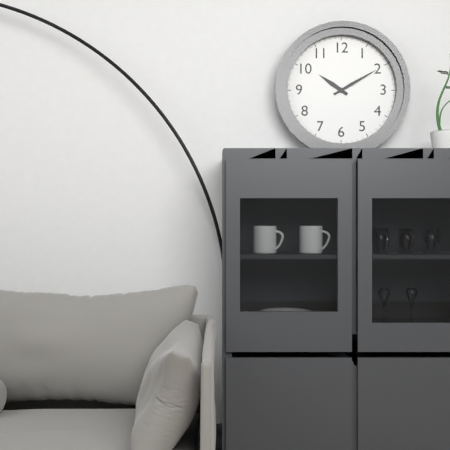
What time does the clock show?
10:10
